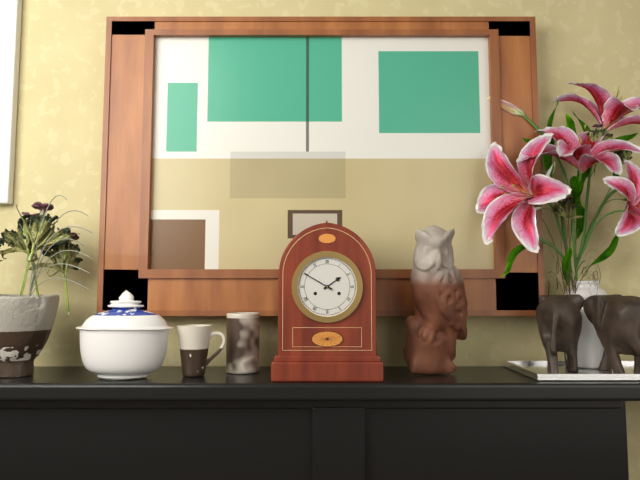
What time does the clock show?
1:50
